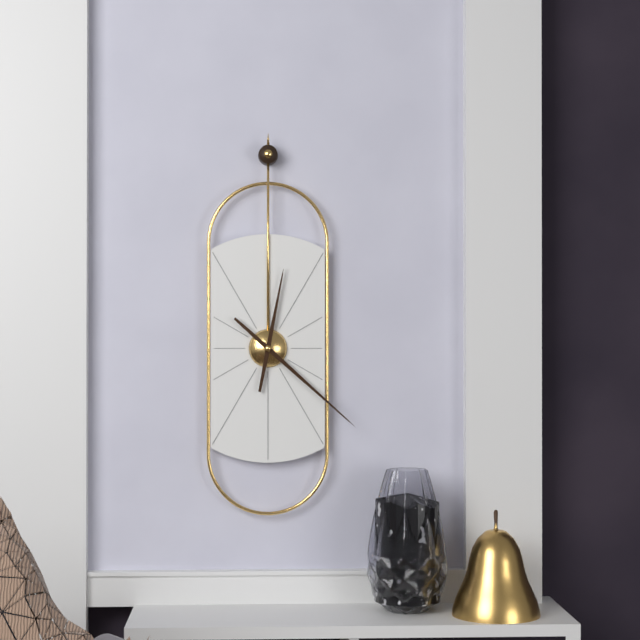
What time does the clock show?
12:22
